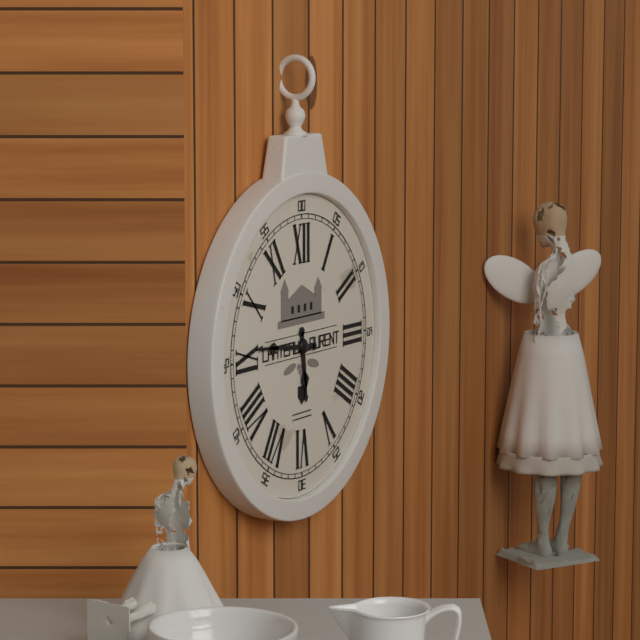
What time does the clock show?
5:46
